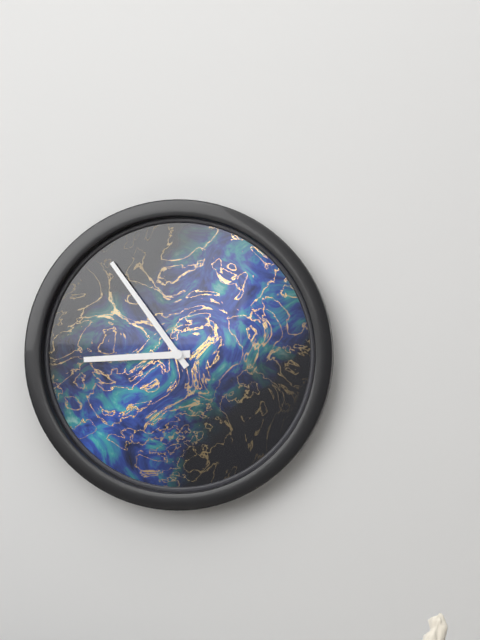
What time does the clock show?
8:54
